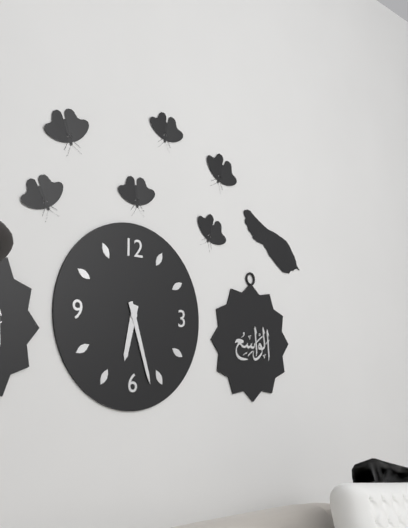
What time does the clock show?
6:27
